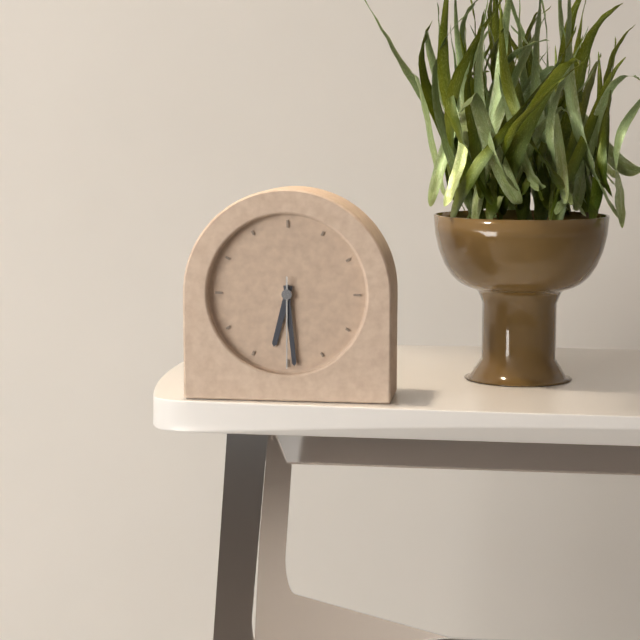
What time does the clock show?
6:29:30
